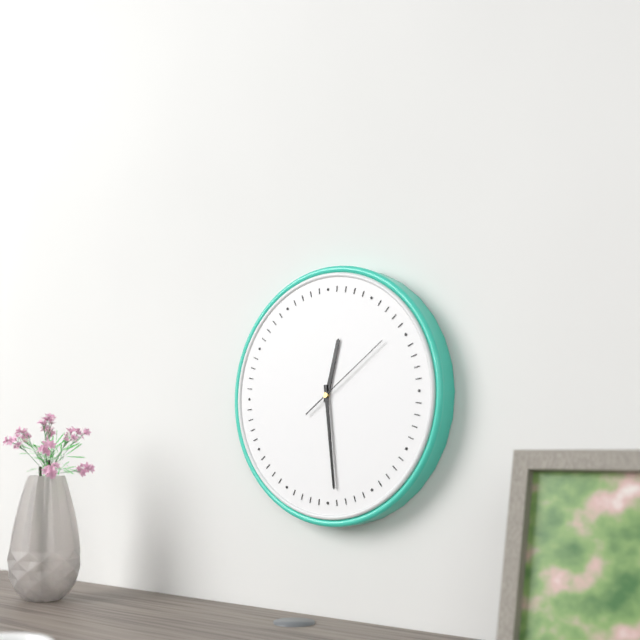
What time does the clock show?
12:29:09
